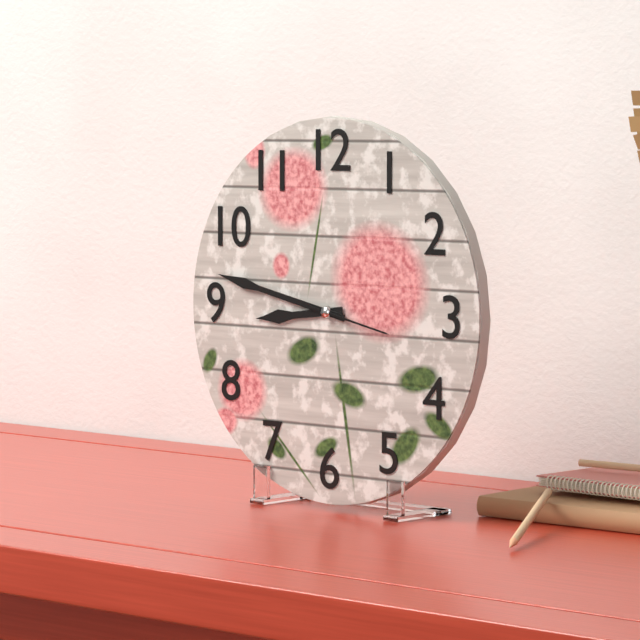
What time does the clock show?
8:47:17
